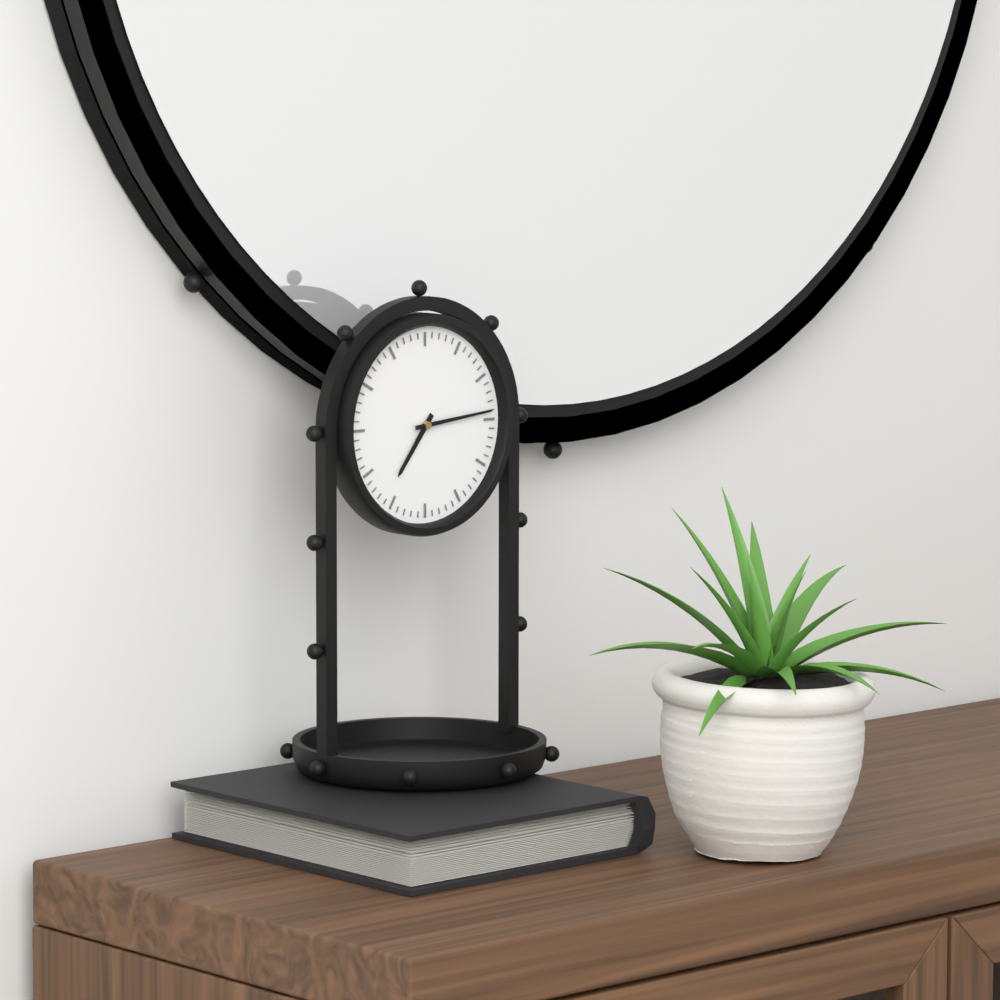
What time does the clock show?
7:14
